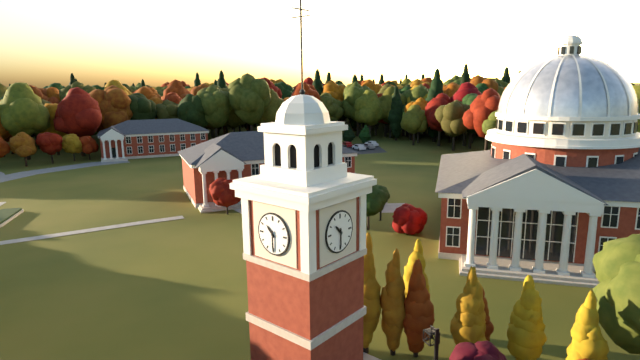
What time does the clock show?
10:30
